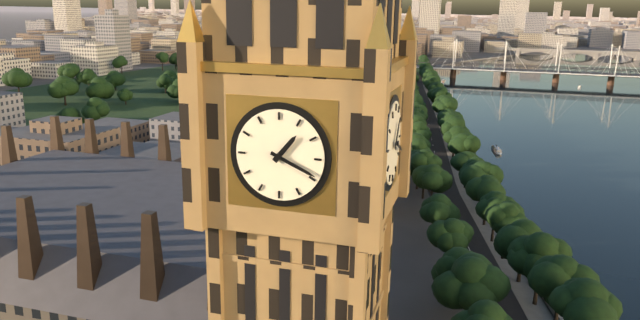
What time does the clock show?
1:19
